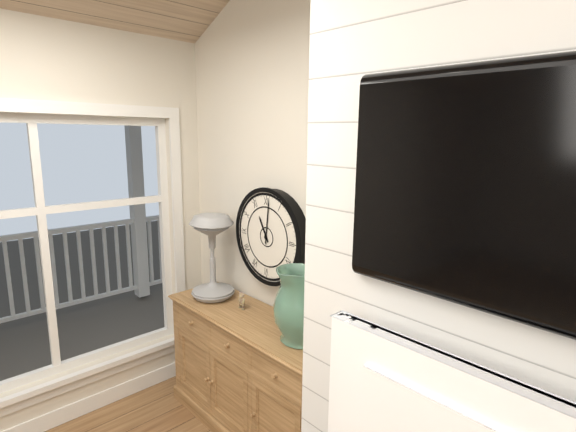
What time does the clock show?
11:01
